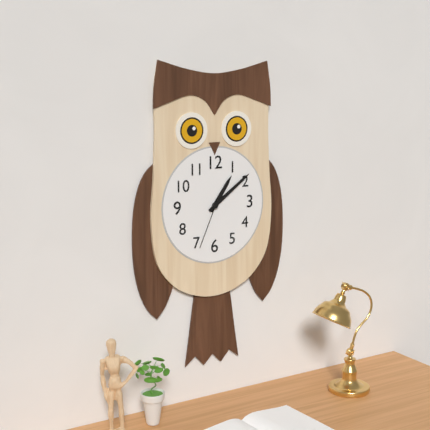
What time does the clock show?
1:09:34
